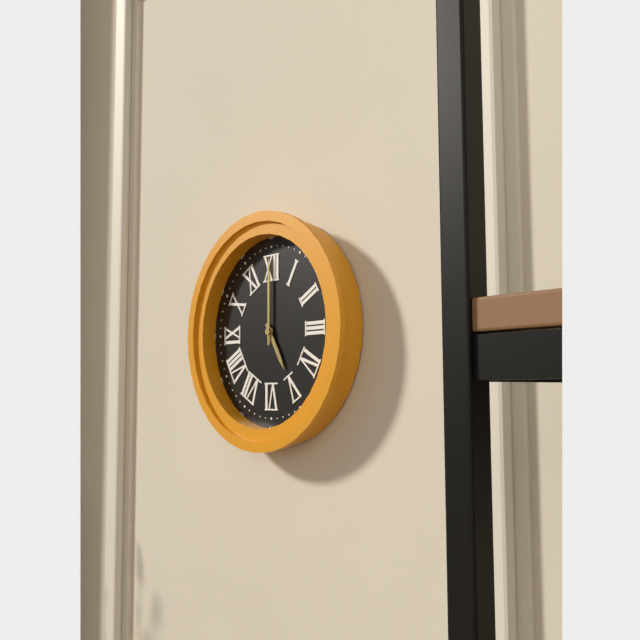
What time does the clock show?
5:00
